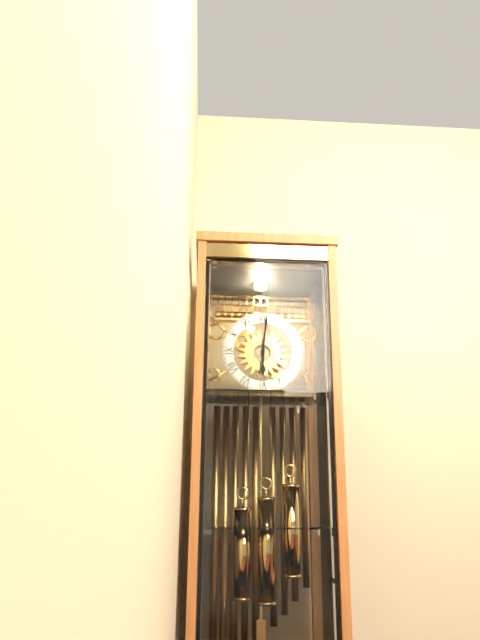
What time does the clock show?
6:01
